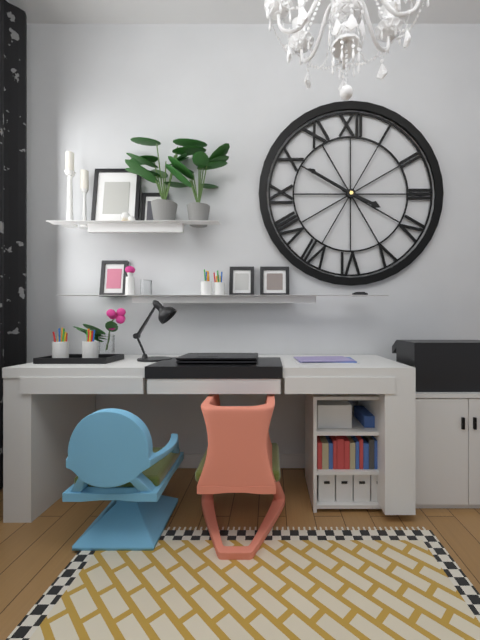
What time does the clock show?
3:50
